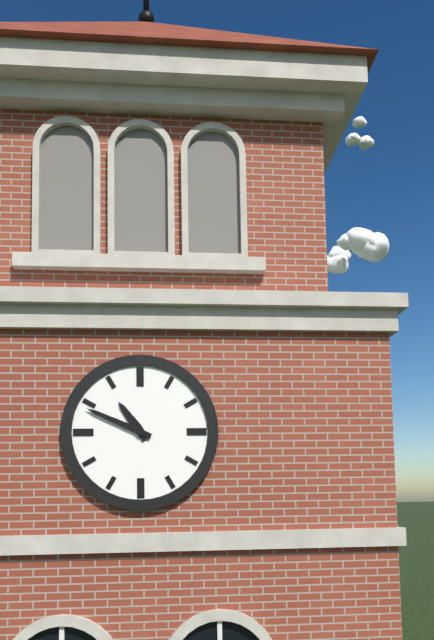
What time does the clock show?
10:49
